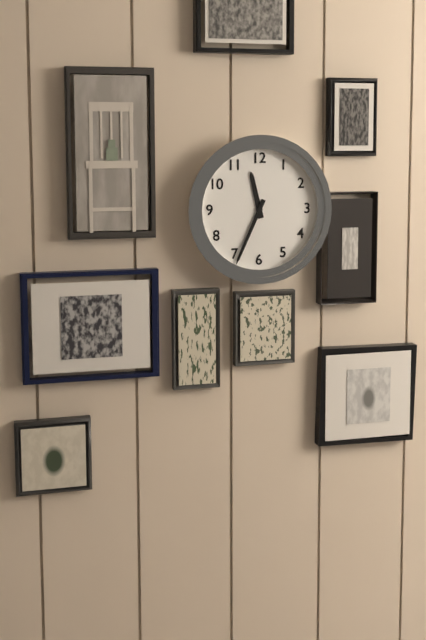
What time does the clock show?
11:34
